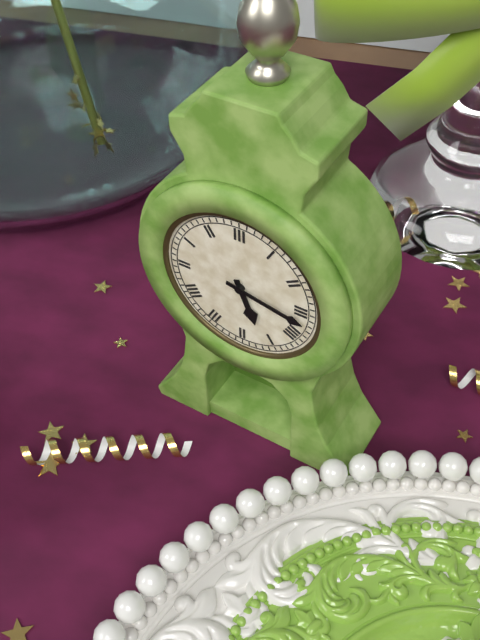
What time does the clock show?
5:17
